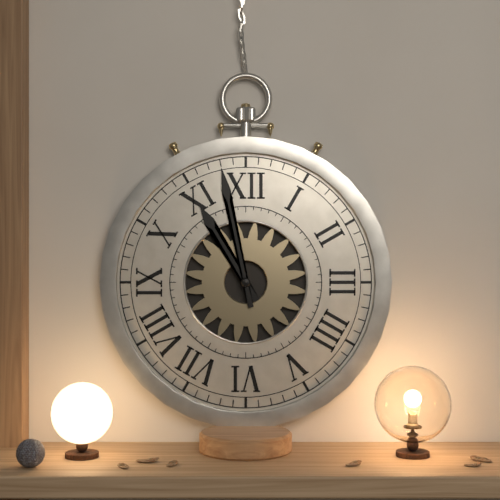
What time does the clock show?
10:58
